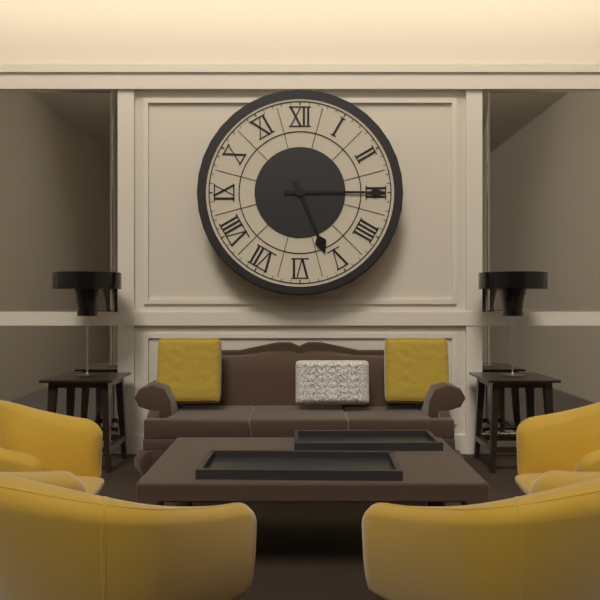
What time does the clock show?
5:15
